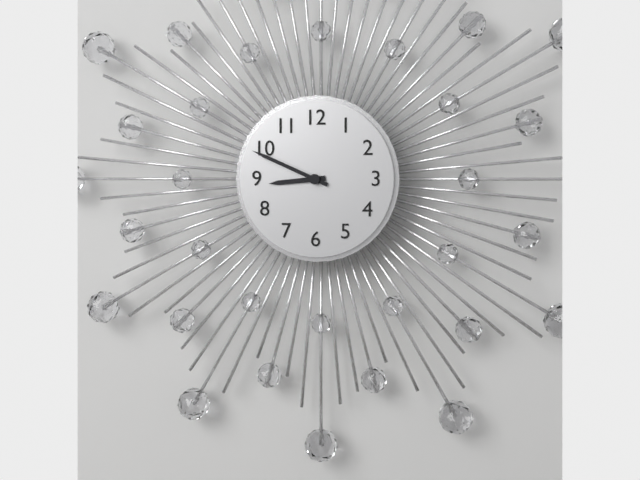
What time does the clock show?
8:49
